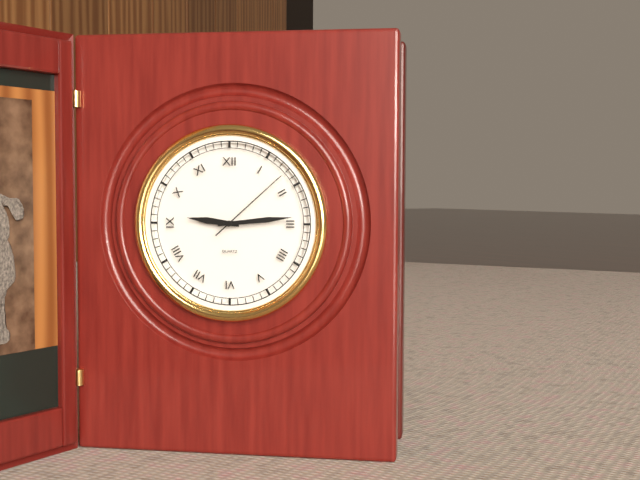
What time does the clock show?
9:14:08
